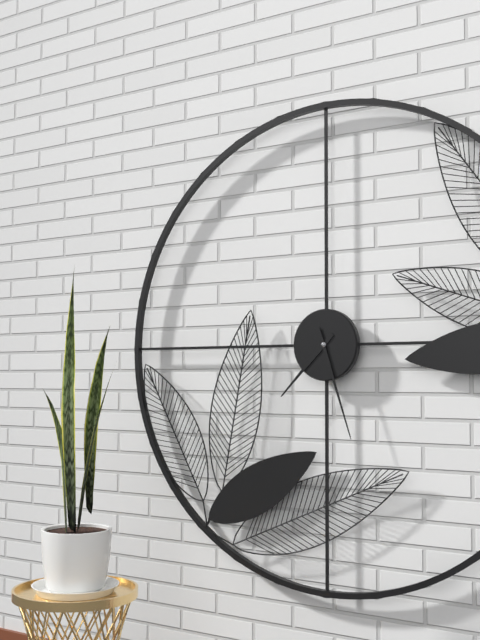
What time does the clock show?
7:27
